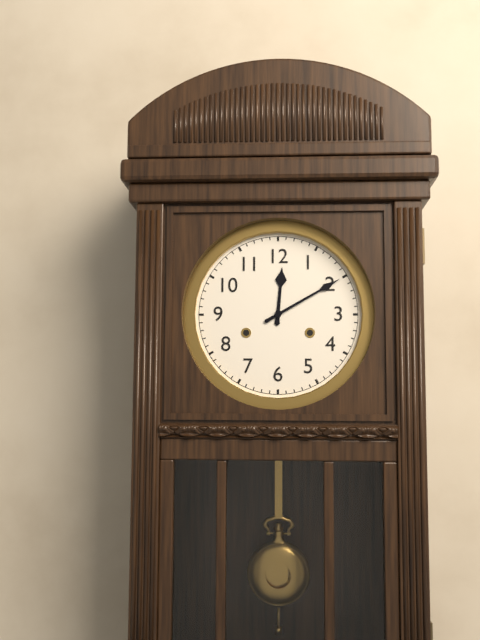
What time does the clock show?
12:10
